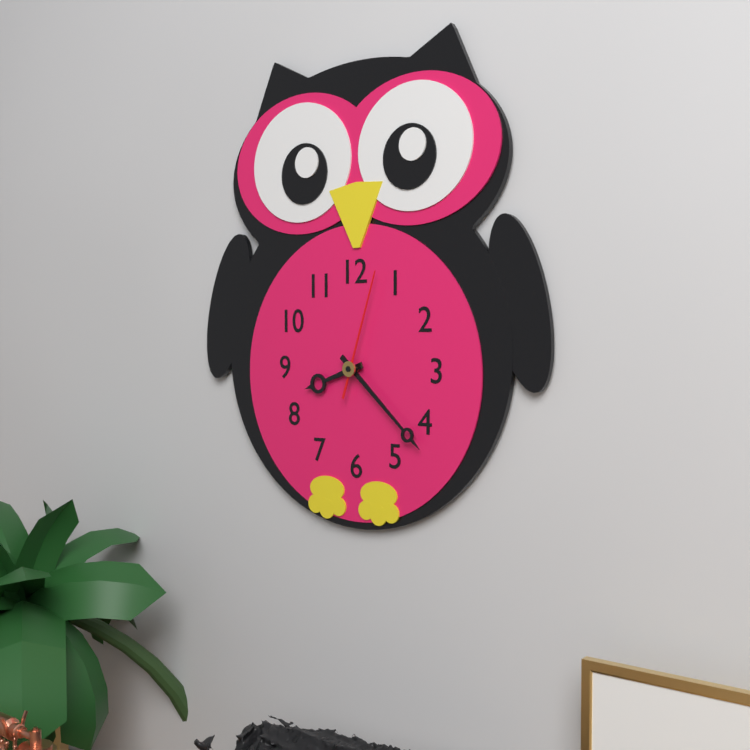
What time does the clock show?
8:22:03
